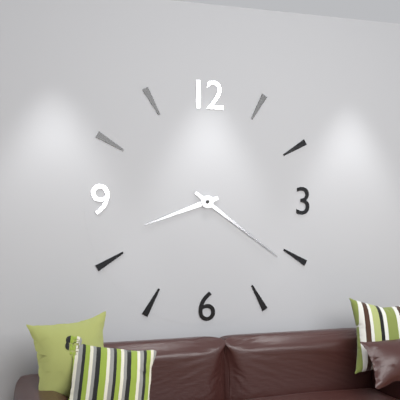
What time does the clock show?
8:21
